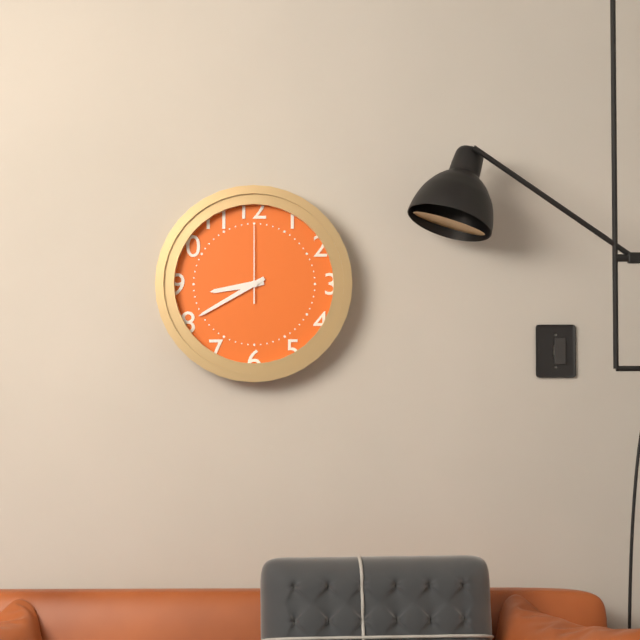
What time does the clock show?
8:40:00
